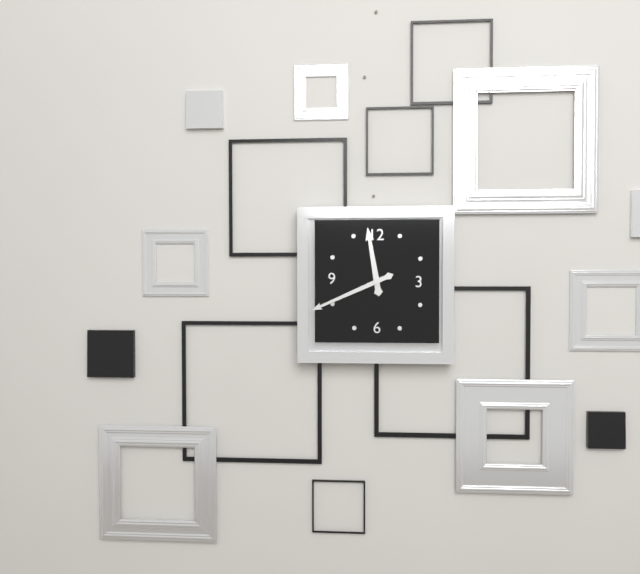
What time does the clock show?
11:41
